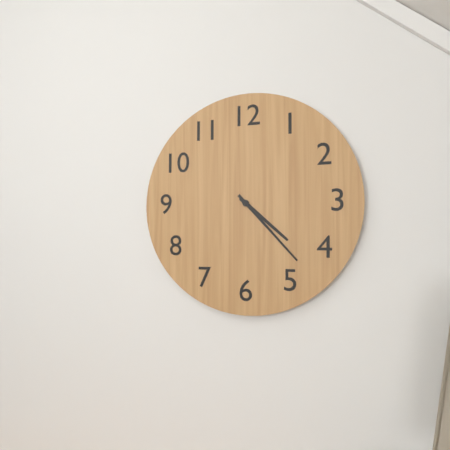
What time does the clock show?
4:23
